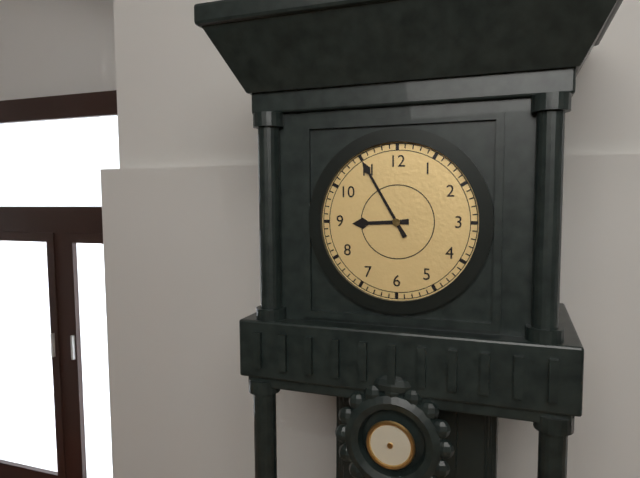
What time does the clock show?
8:55
